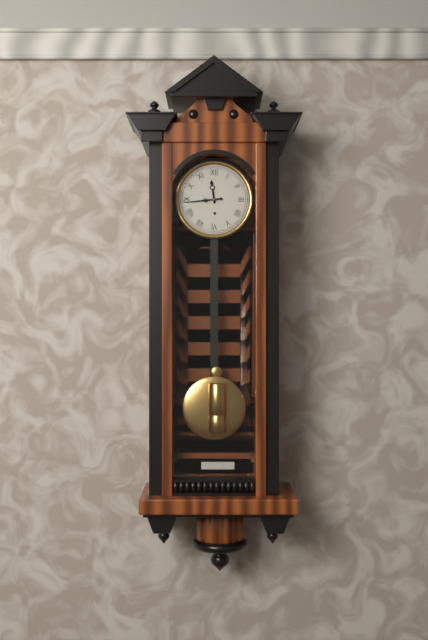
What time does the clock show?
11:44
